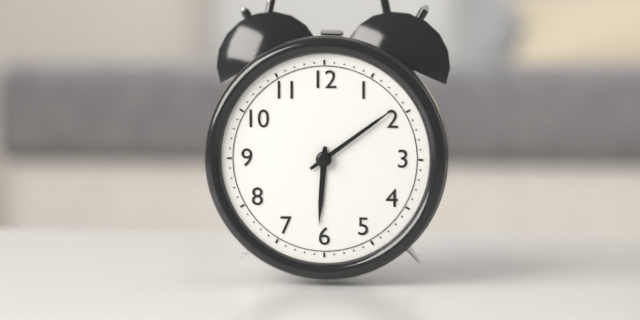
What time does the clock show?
6:09
